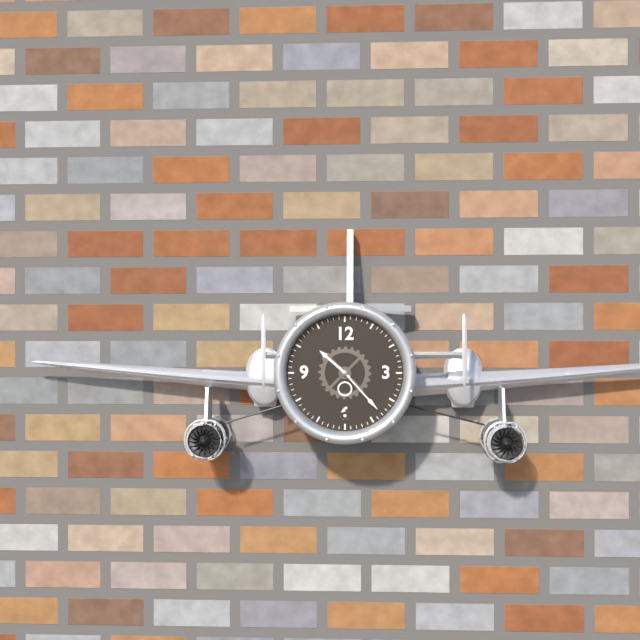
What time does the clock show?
10:23
